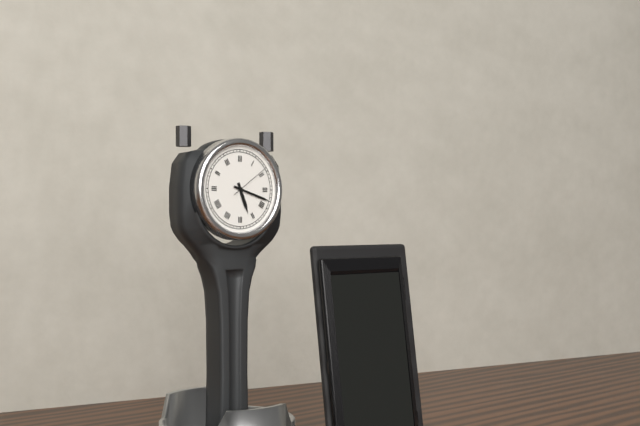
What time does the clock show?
5:18
